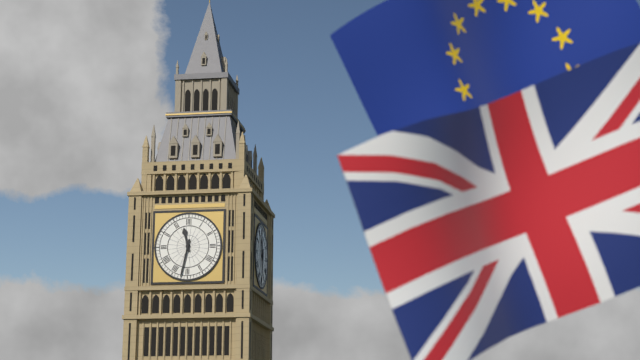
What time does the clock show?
11:32
